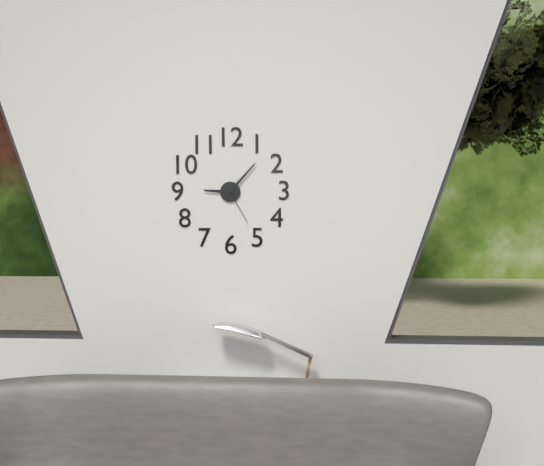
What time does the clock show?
9:07
